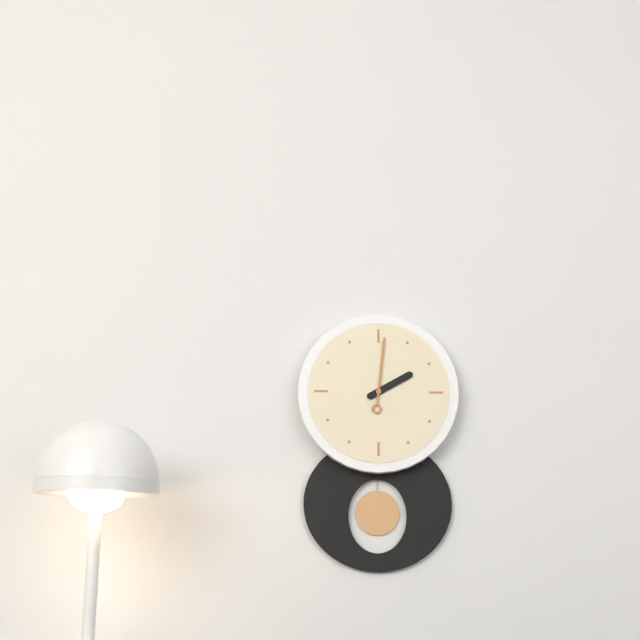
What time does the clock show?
2:01
